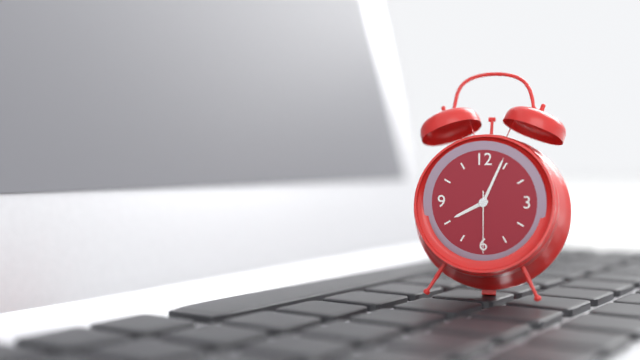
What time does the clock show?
8:04:30
